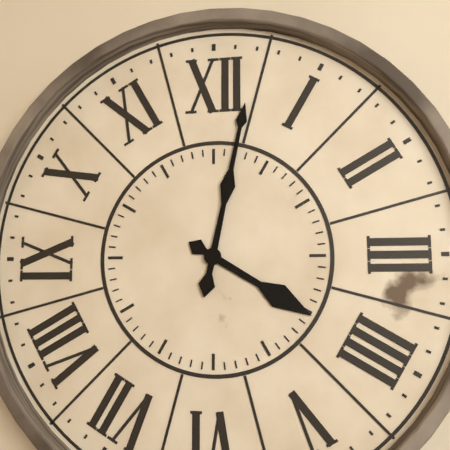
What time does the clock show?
4:02
